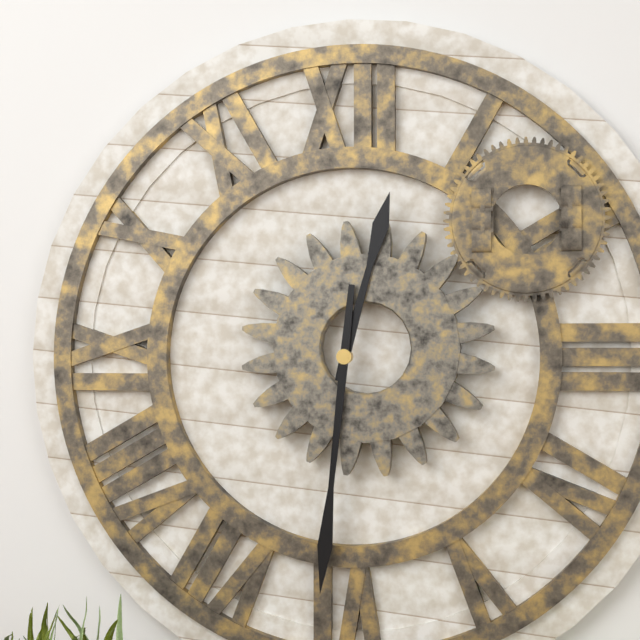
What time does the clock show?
12:31
